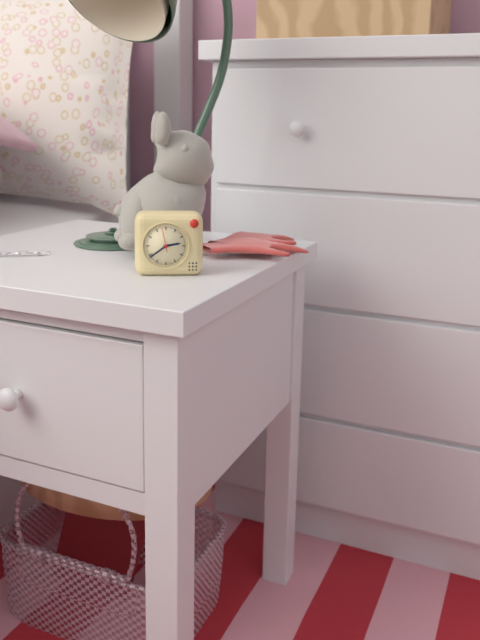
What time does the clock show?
2:39
